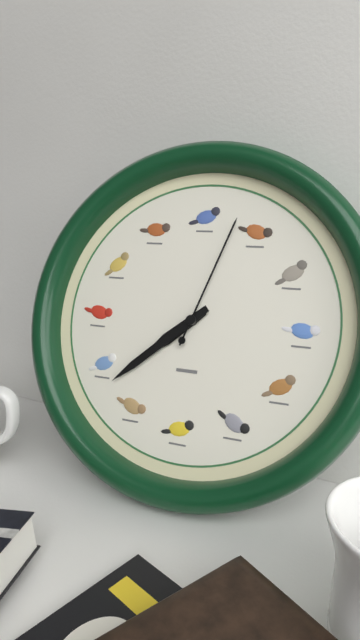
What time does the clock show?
7:38:03
